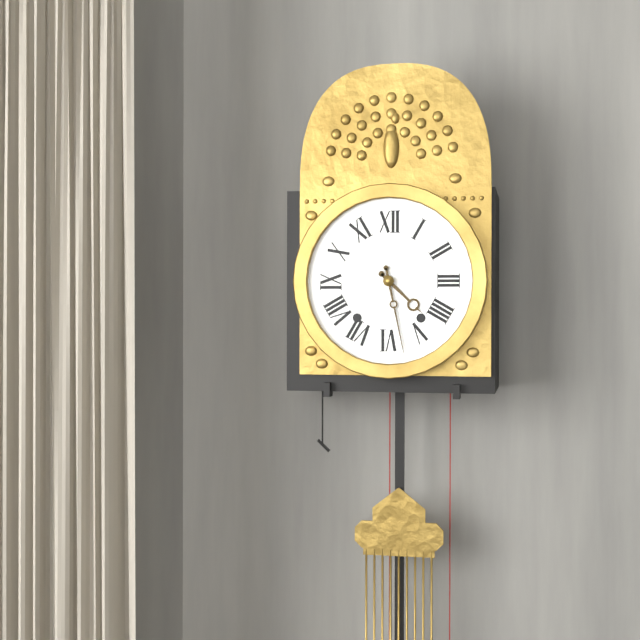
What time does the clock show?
4:28
